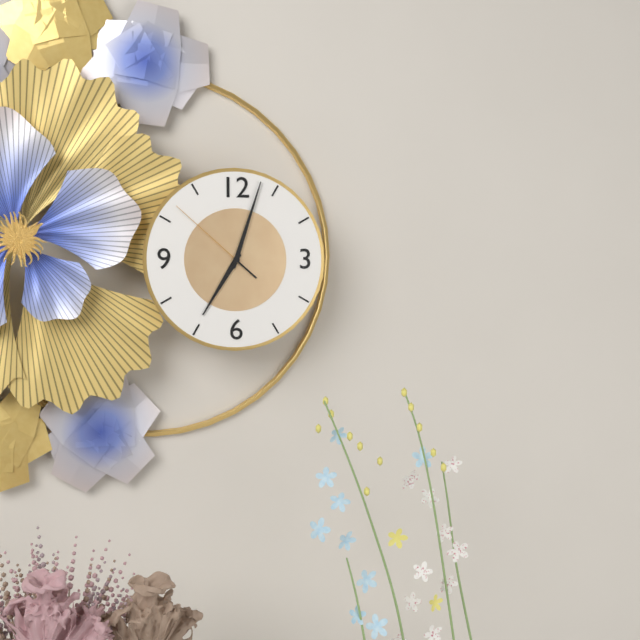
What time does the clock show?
7:03:52
